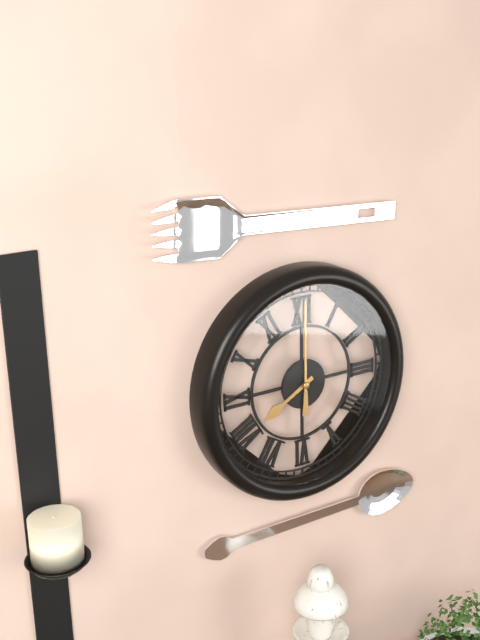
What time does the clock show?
8:00
